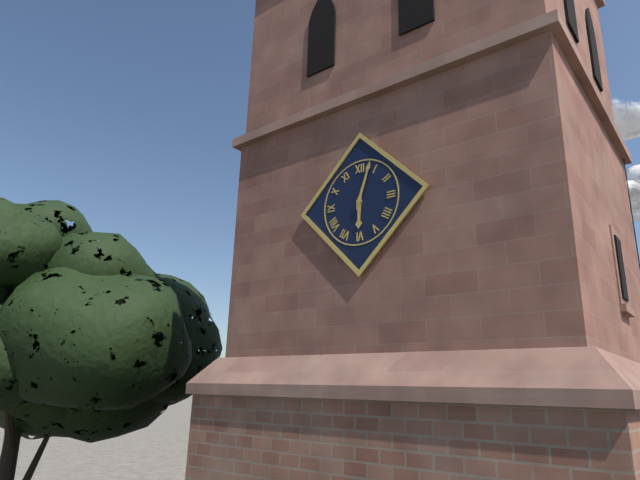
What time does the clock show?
6:03
